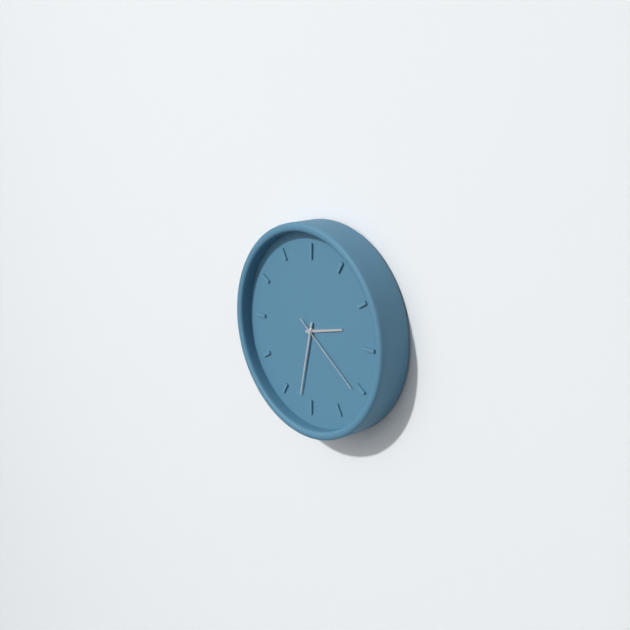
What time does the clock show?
2:32:21
